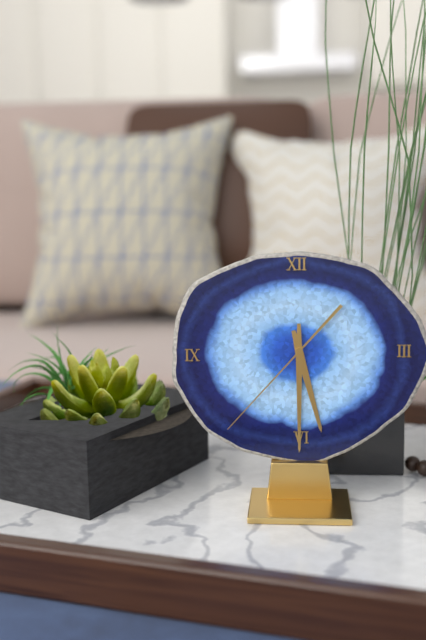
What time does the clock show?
5:30:37
